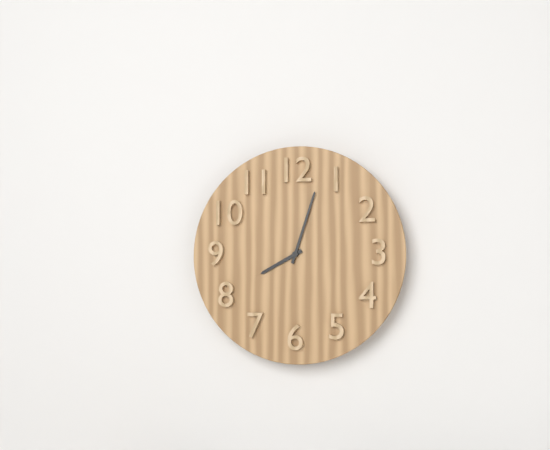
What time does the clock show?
8:03
